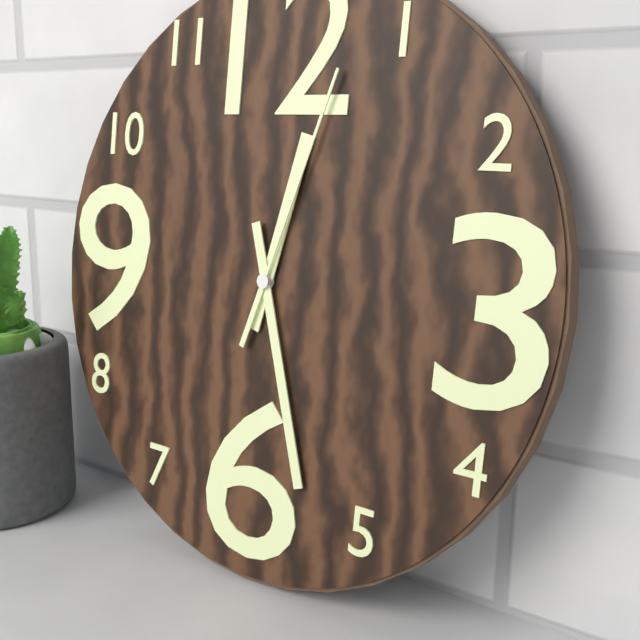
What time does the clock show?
12:27:03
